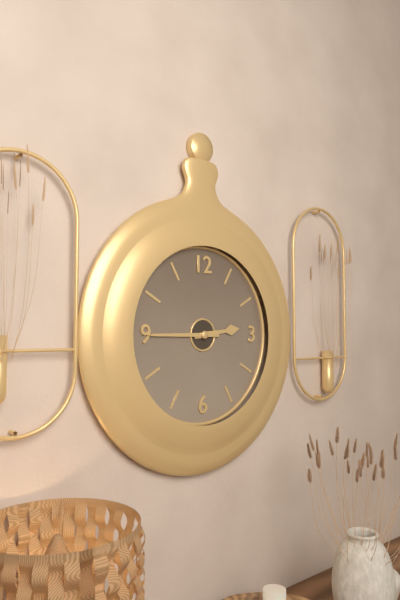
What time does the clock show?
2:45
